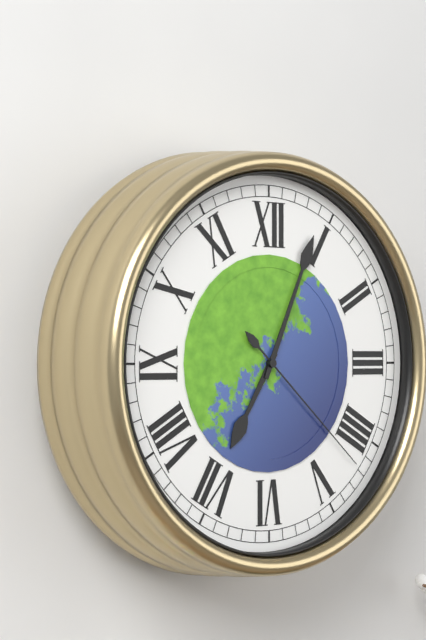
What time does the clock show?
7:04:22
